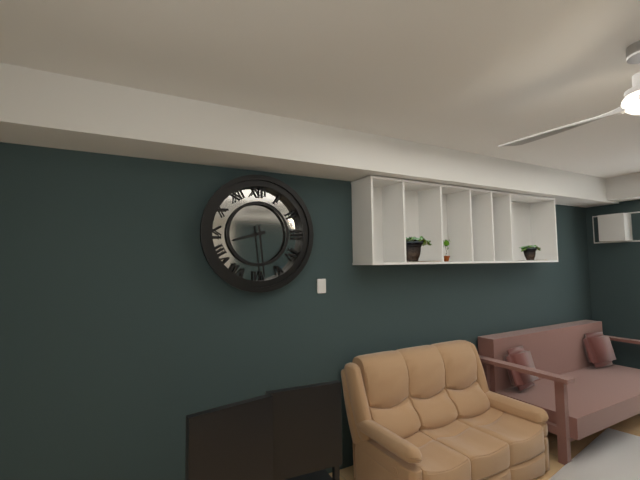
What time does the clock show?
8:29
